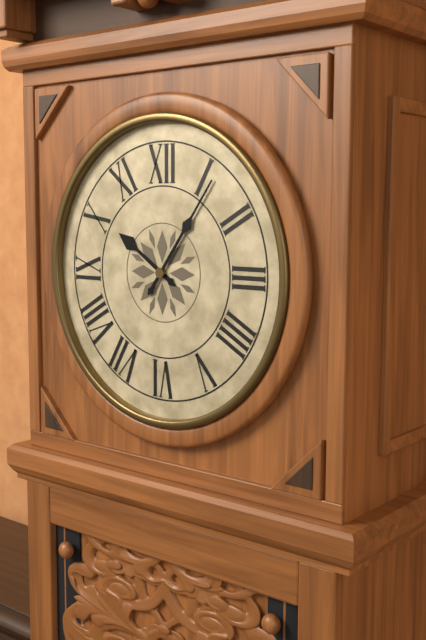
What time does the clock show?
10:06
